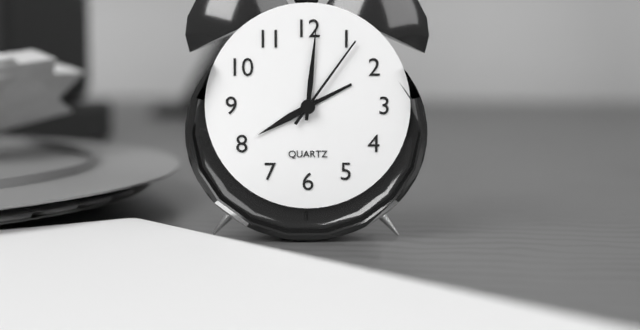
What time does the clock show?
8:01:06
